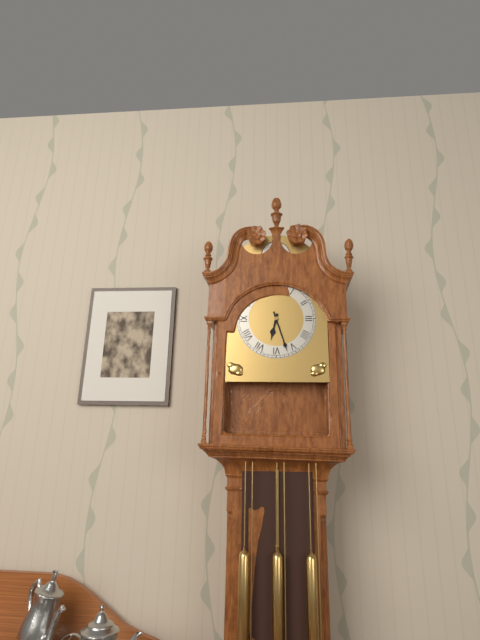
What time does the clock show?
6:27
